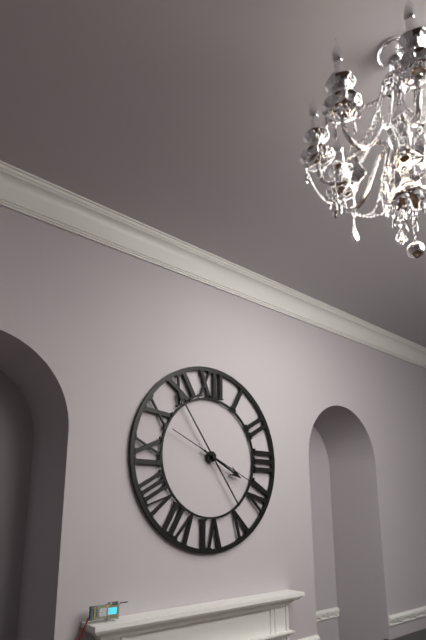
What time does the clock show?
3:54:19
